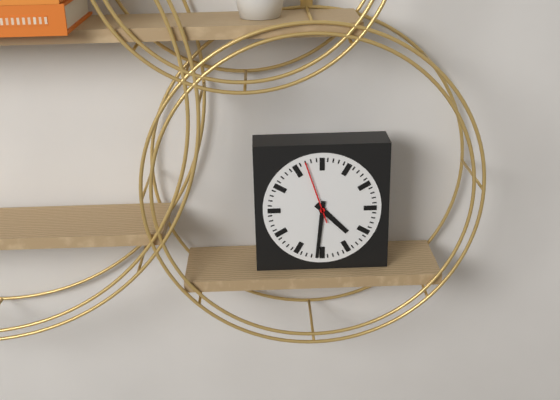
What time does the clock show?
4:31:57
